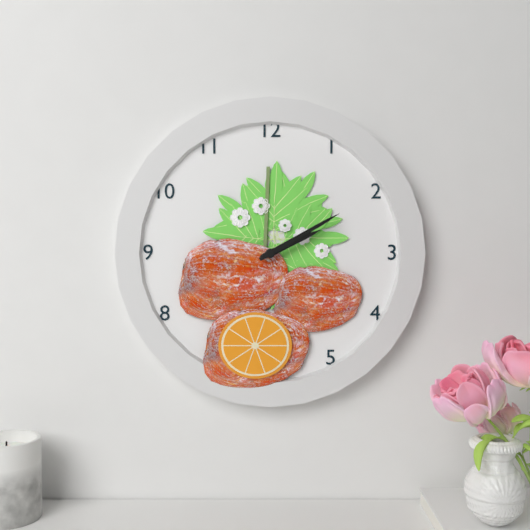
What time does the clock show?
2:10
